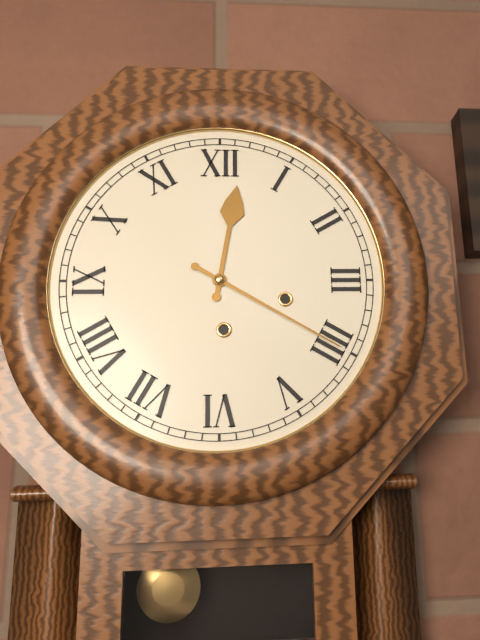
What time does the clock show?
12:20
